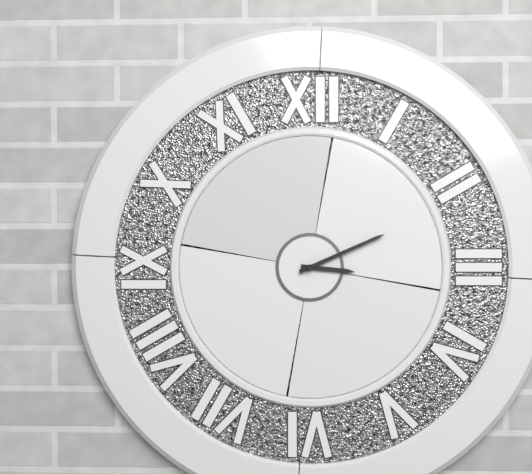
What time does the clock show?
3:11
